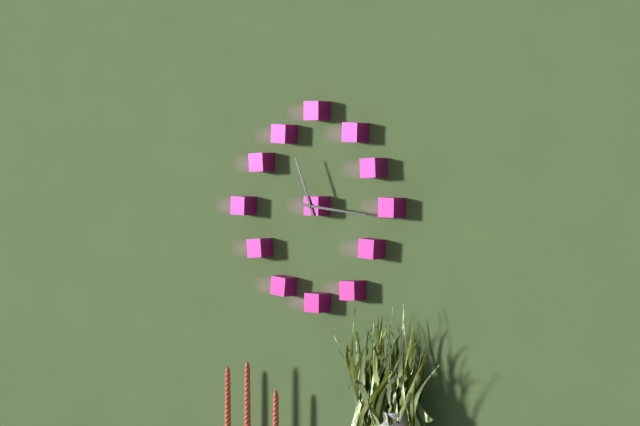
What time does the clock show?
11:16
